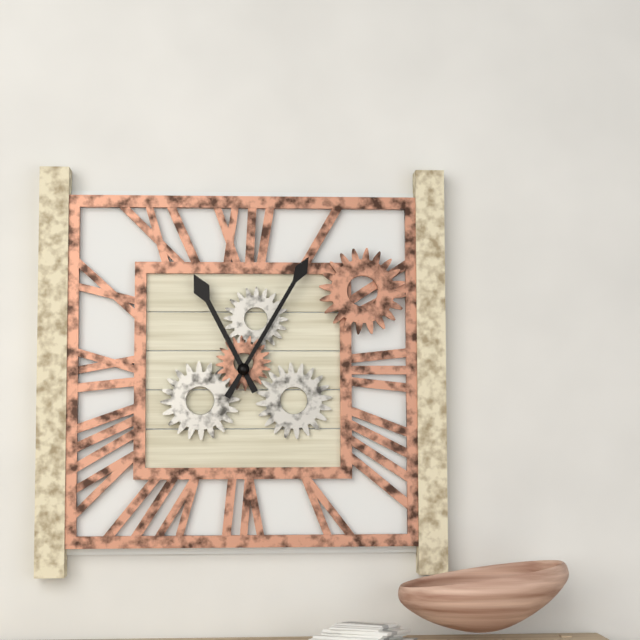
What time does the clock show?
11:05
